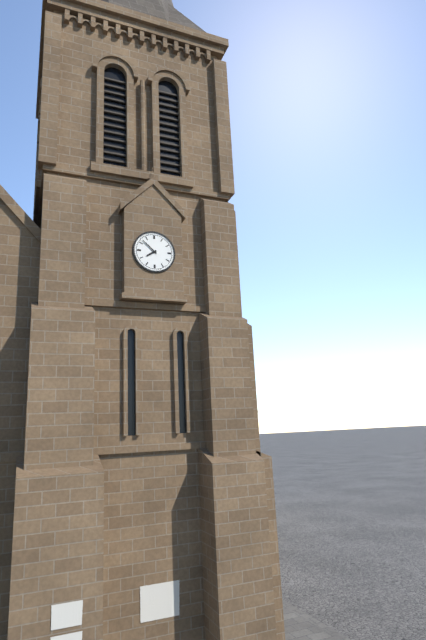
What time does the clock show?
7:52
